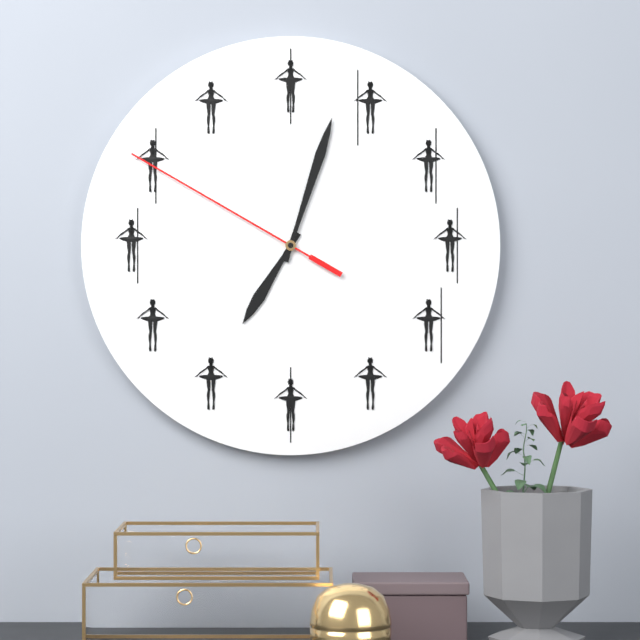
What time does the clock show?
7:03:50
